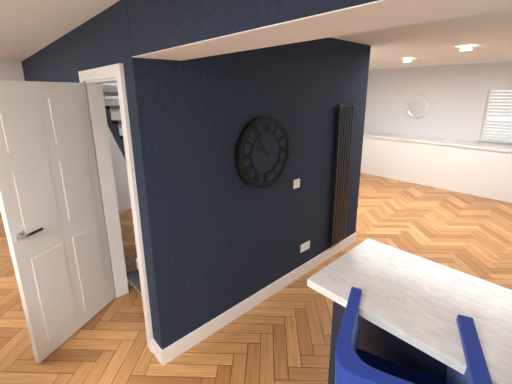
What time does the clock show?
10:50
